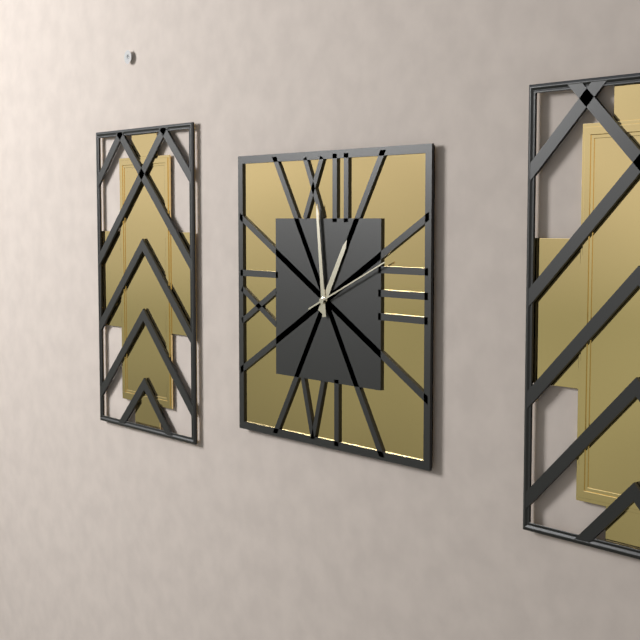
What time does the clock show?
12:59:11
